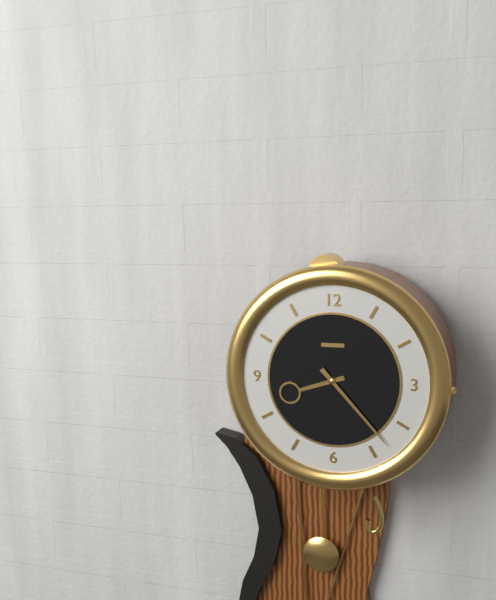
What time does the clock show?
8:23
